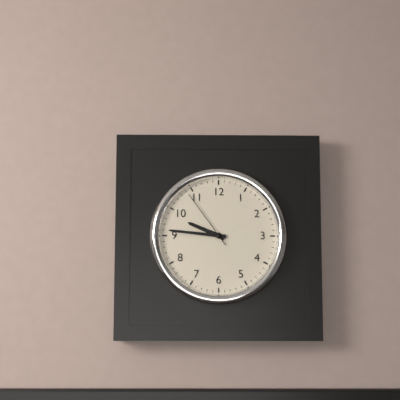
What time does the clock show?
9:46:54
